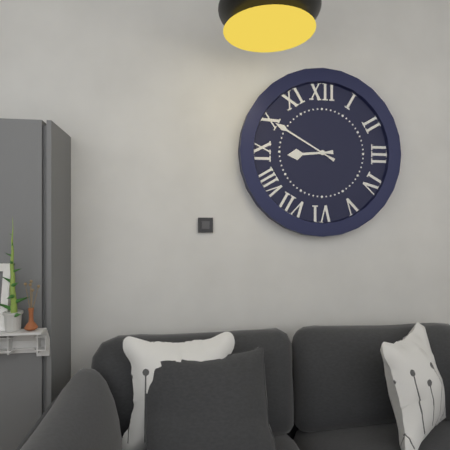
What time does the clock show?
8:50
